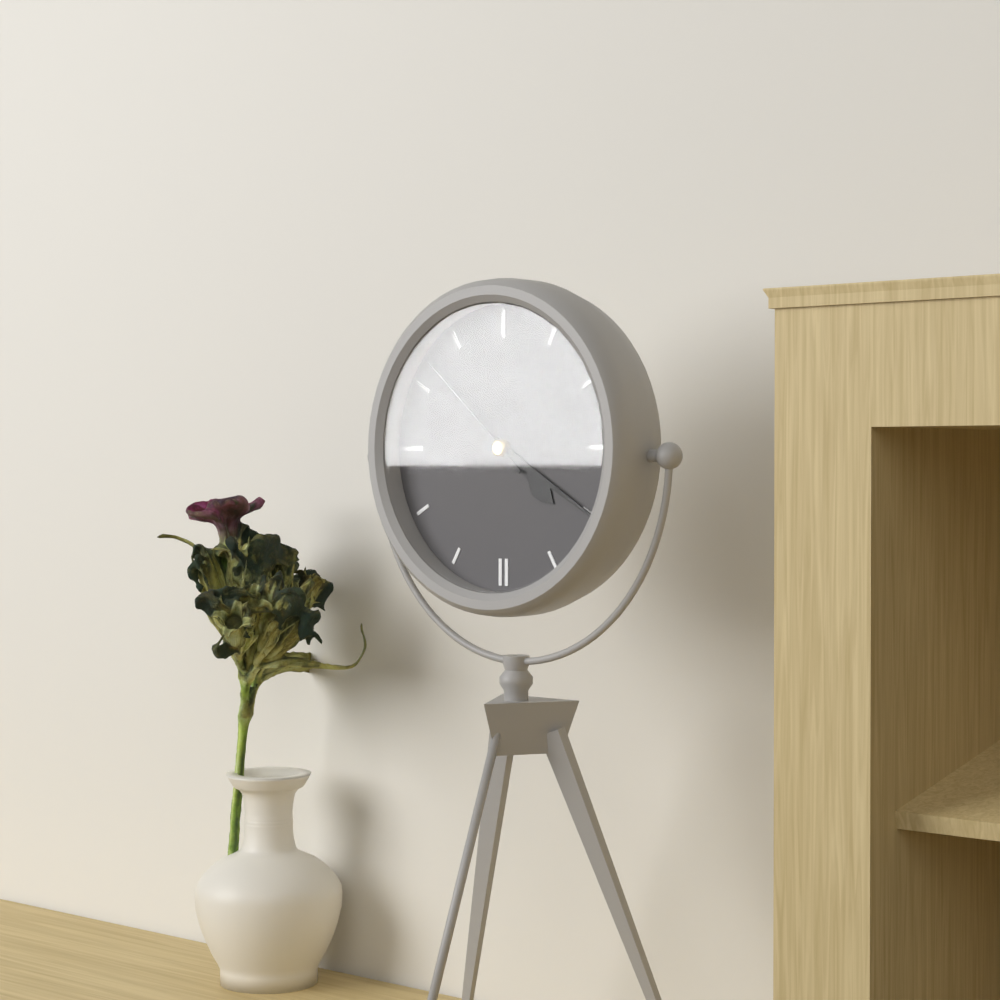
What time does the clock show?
4:20:52
